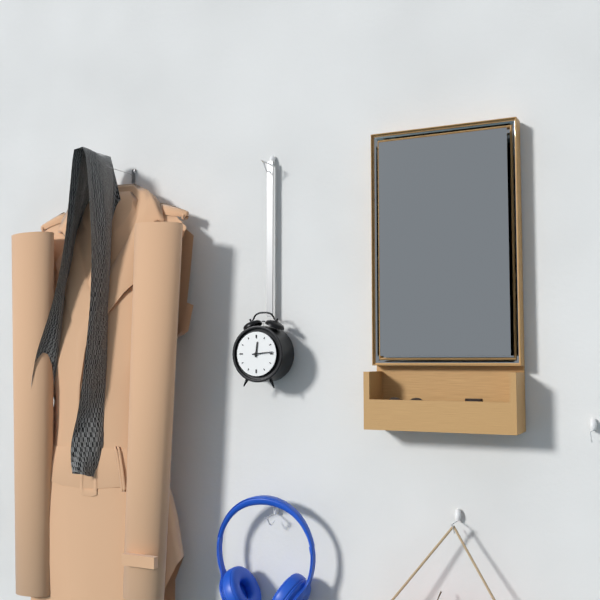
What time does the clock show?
12:14
